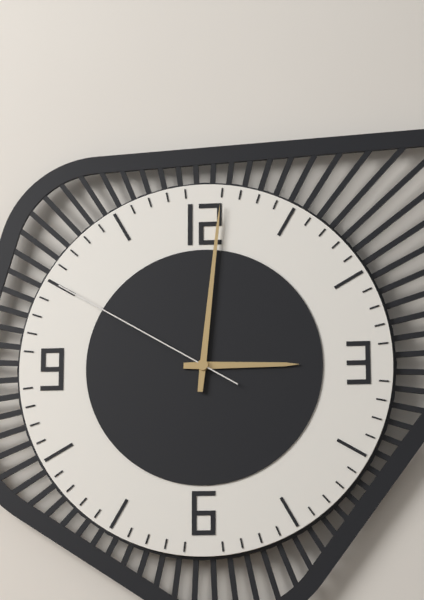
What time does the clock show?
3:01:50
